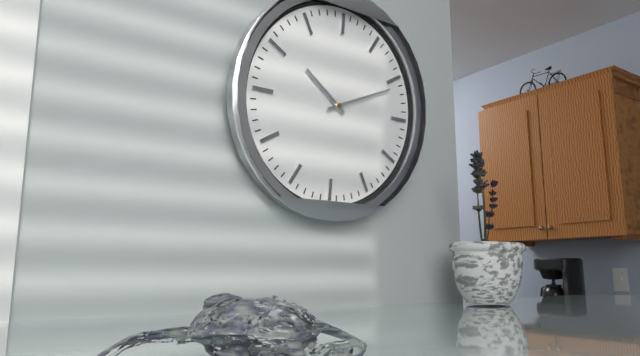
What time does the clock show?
10:11
